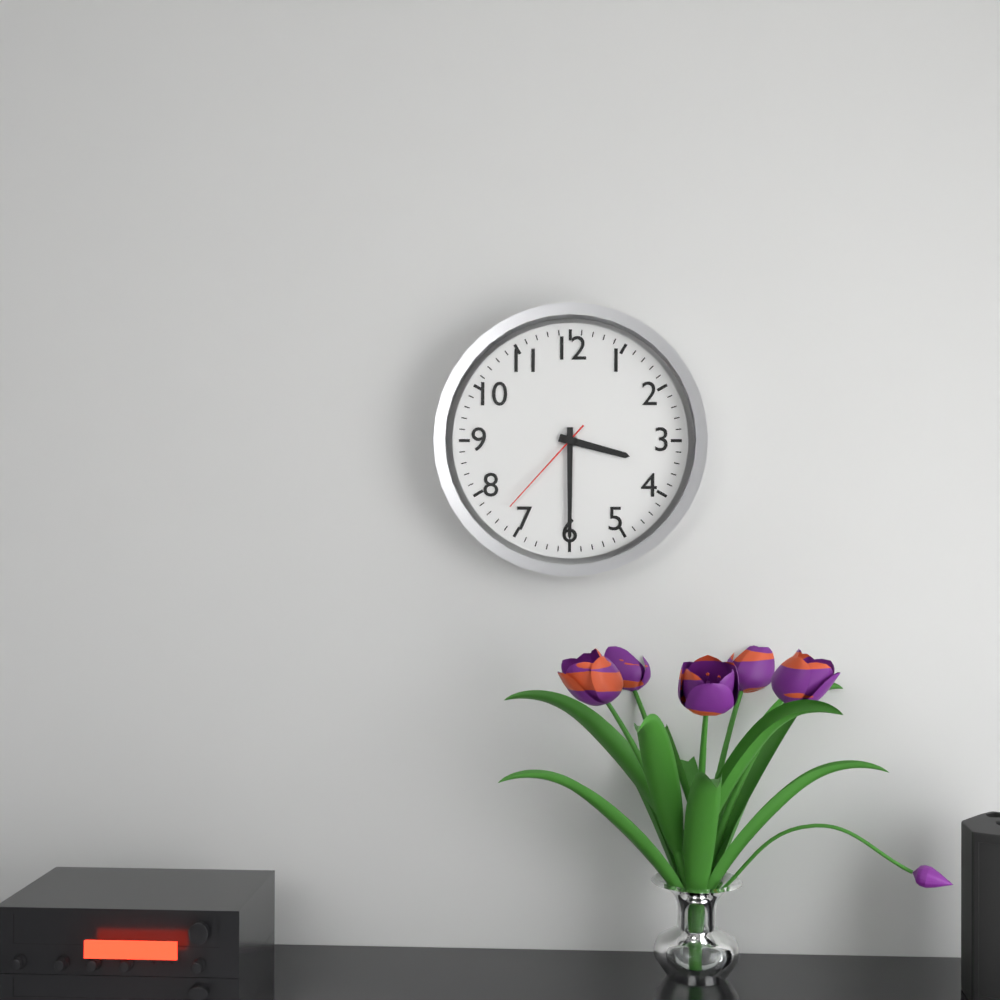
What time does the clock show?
3:30:37
